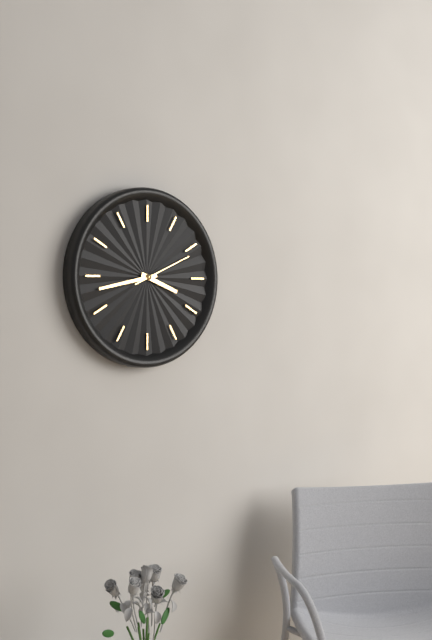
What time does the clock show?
3:43:11
